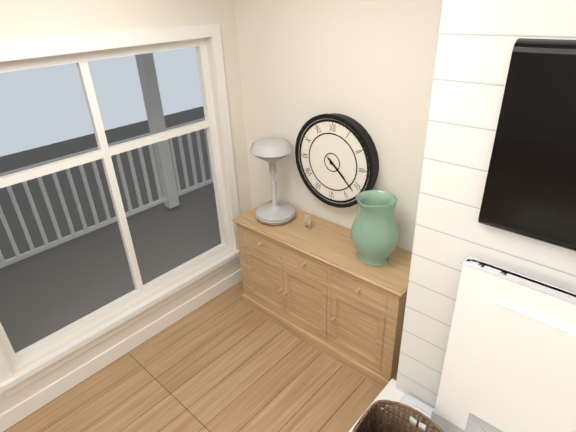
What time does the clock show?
4:22
